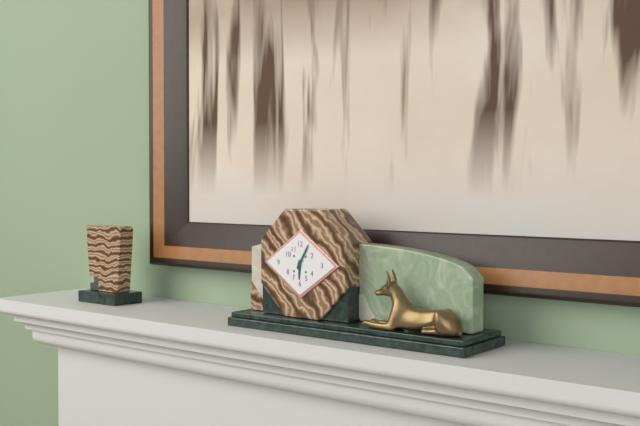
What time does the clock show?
6:05
